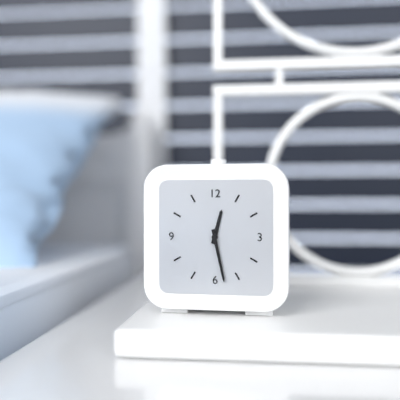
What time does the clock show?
12:28
